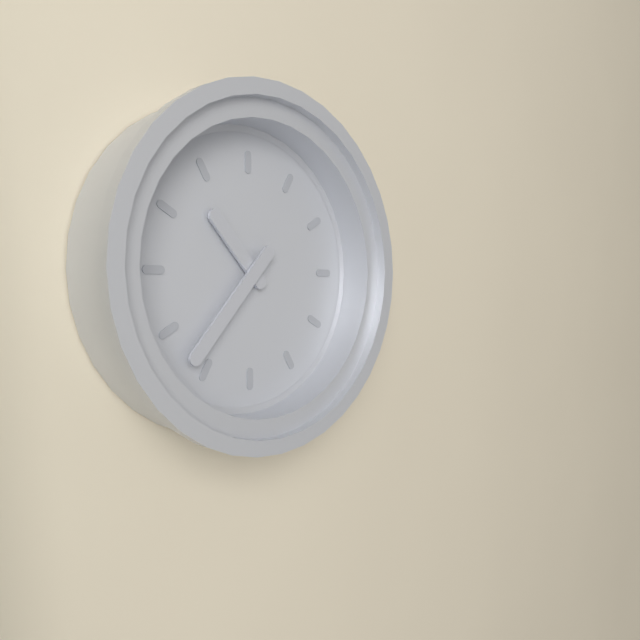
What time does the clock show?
10:37
